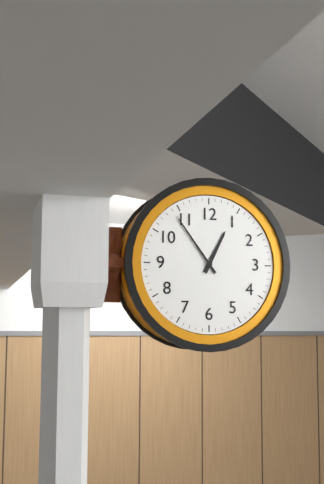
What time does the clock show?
12:54
